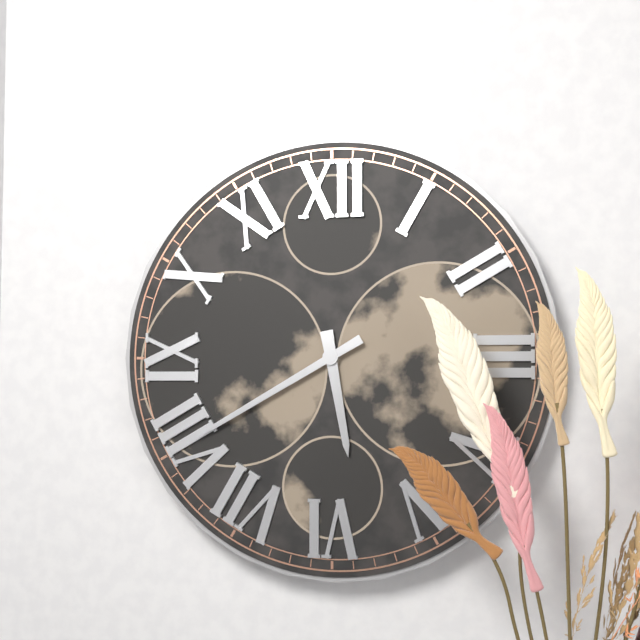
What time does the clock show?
5:40
